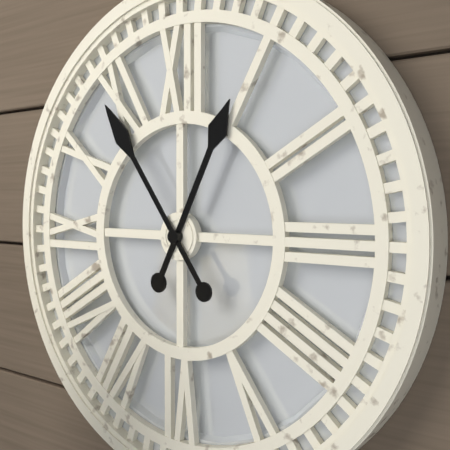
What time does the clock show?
12:54
